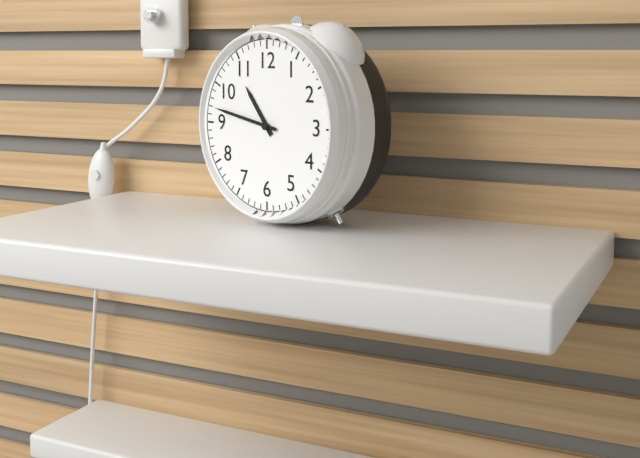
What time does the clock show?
10:47
